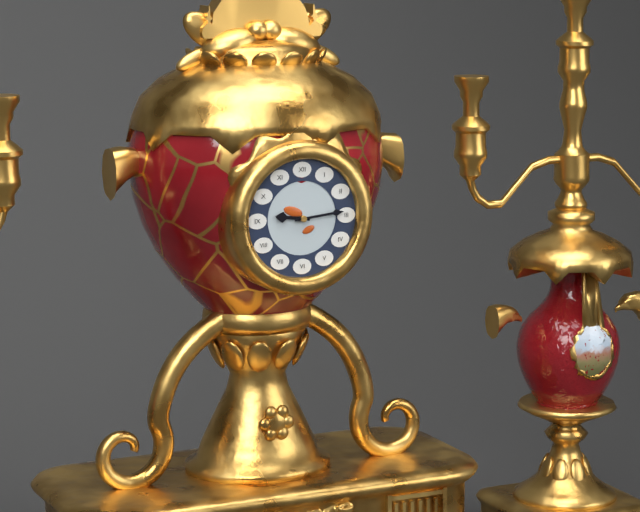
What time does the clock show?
9:14
